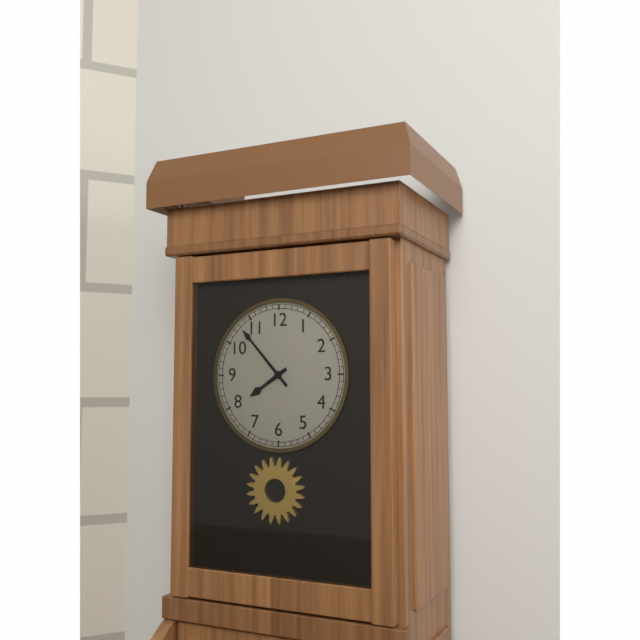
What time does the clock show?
7:53
